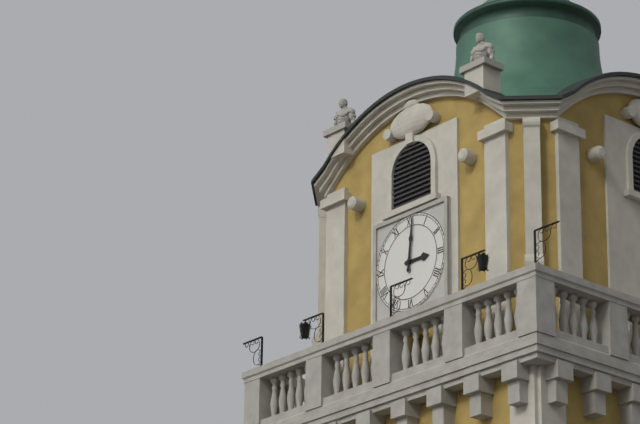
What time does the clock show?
3:01
